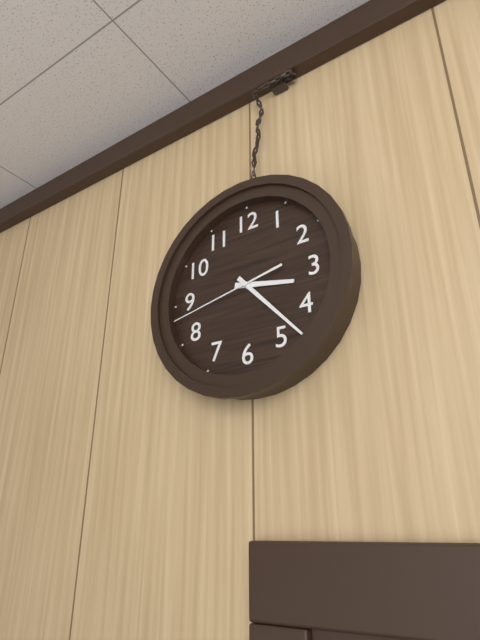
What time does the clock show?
3:23:43
